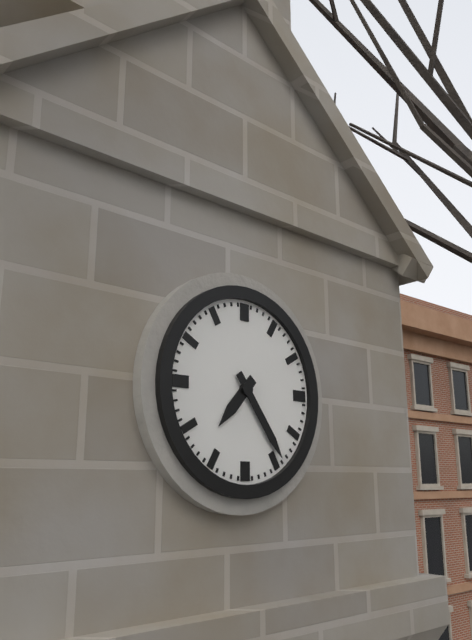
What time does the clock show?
7:24
